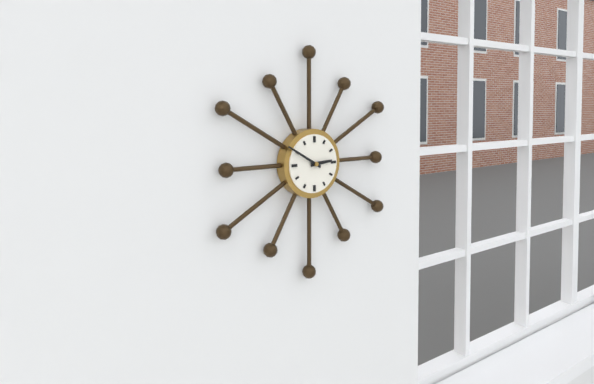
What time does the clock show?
2:50
